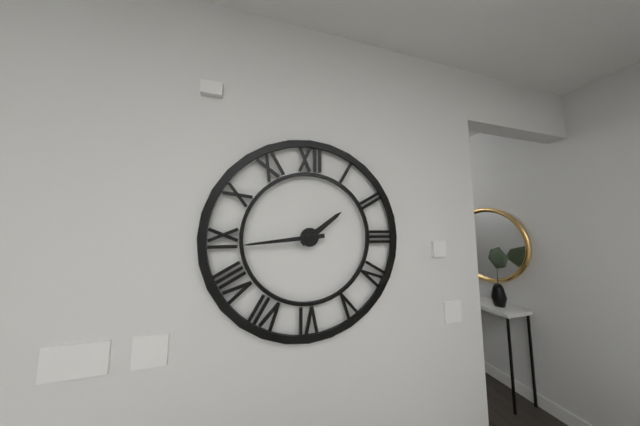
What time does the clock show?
1:44
